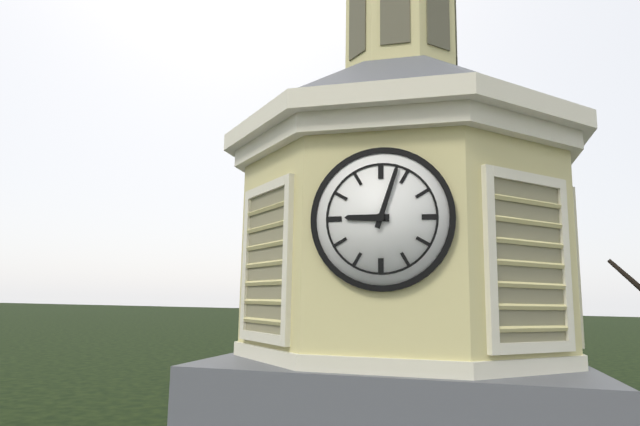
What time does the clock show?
9:03
